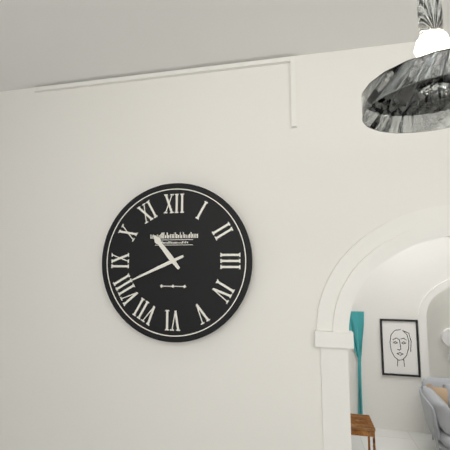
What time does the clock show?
10:41
